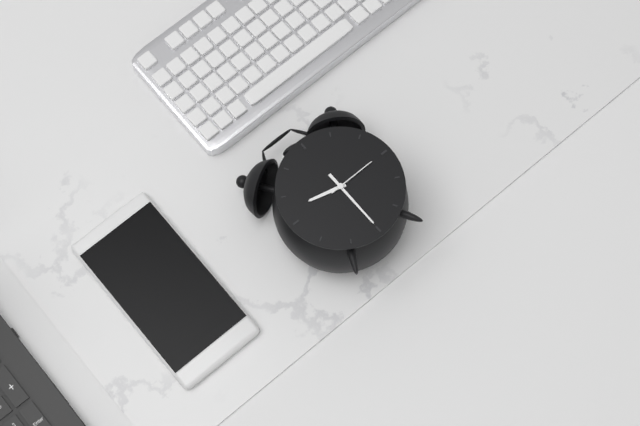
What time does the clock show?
9:30:15
